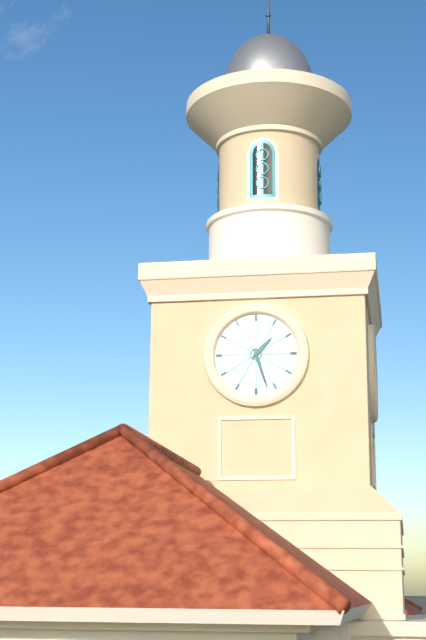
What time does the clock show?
1:27
